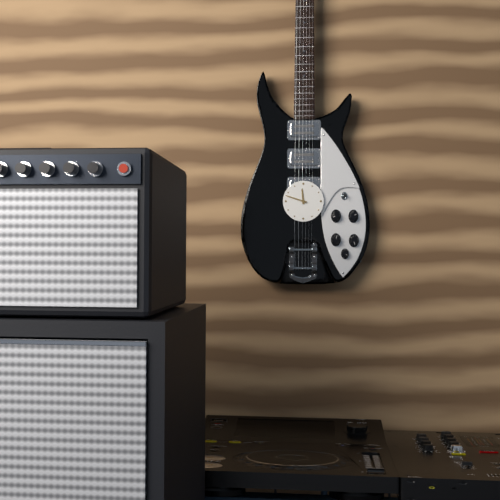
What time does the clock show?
11:48
